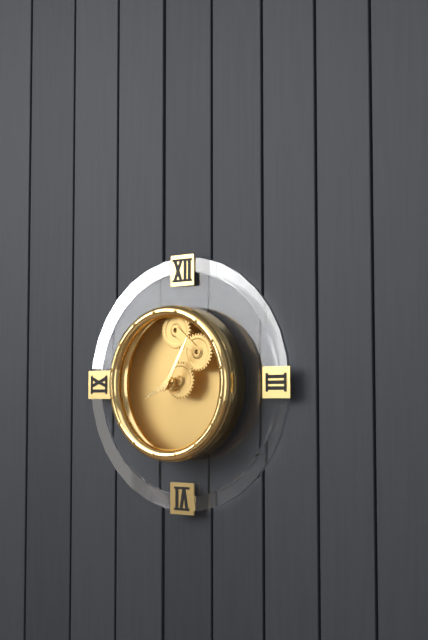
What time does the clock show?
8:05
